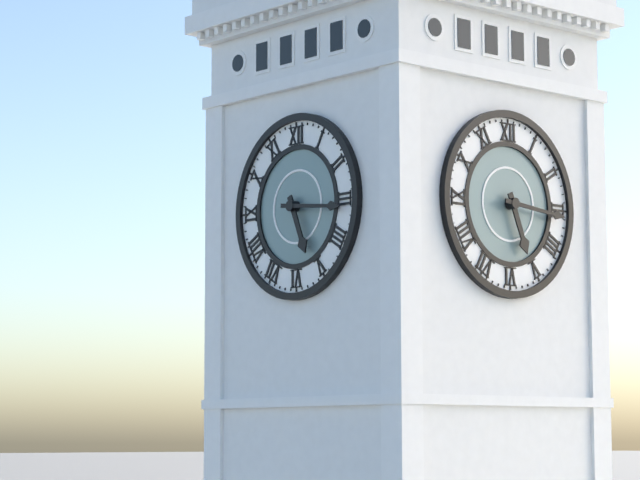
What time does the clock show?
5:16
